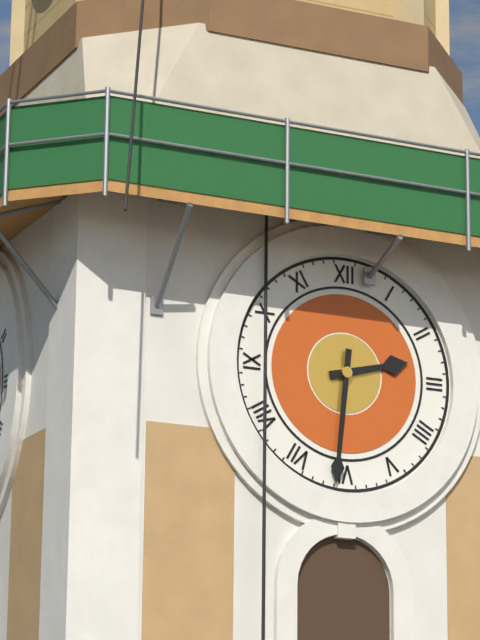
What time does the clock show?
2:31
